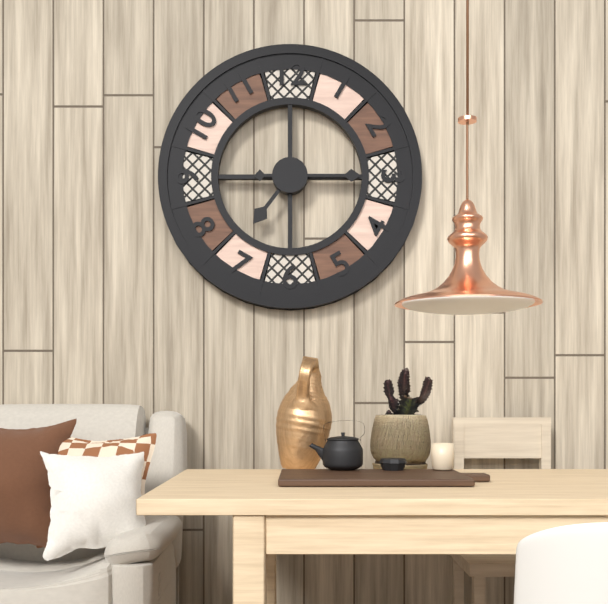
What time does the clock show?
7:15
